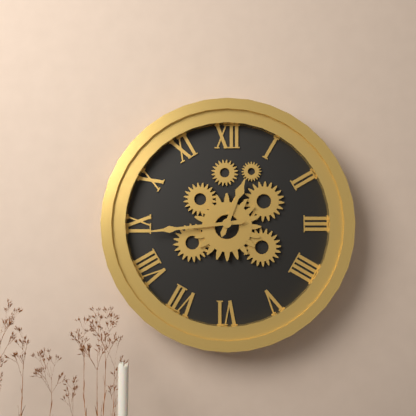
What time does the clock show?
12:44
